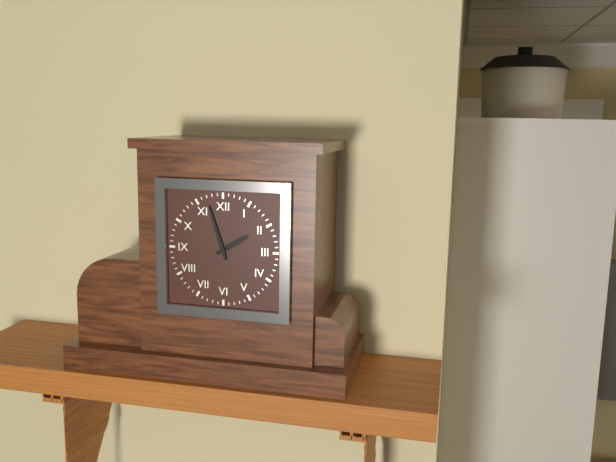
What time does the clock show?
1:57
